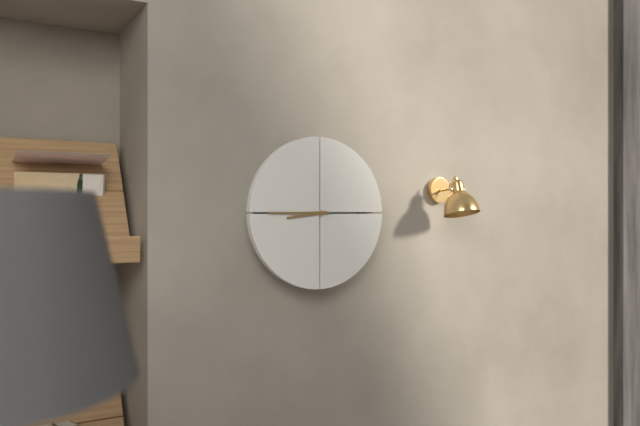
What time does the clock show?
8:45
